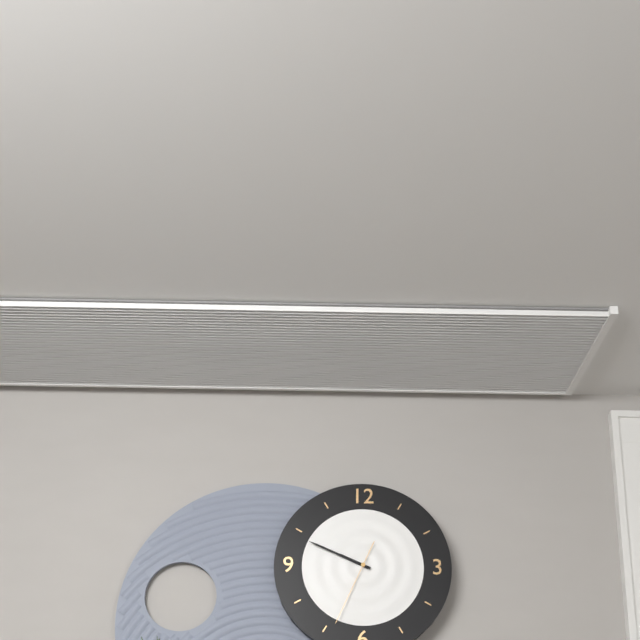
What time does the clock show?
9:49:34
